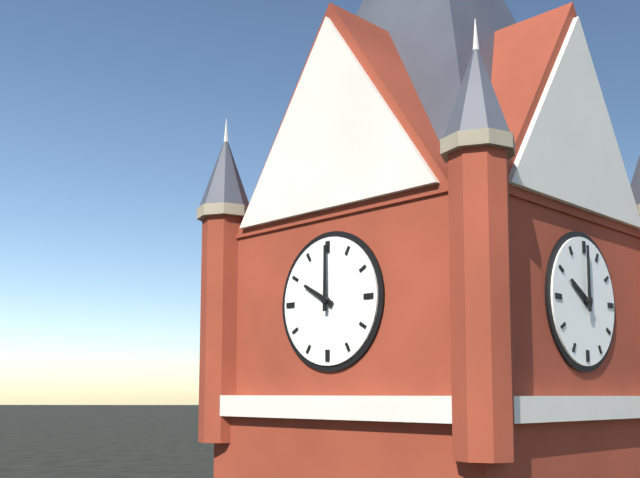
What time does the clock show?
10:00
